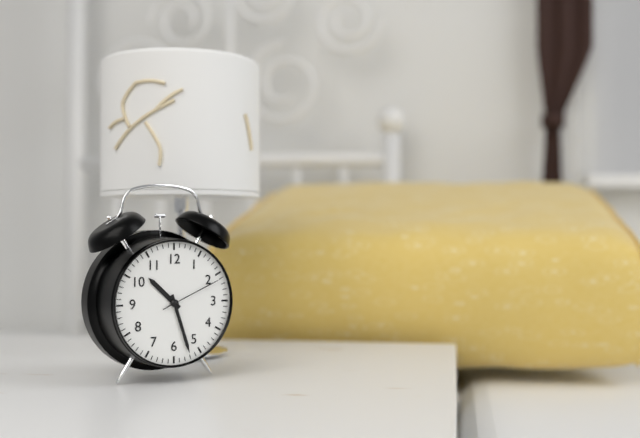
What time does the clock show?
10:27:11
